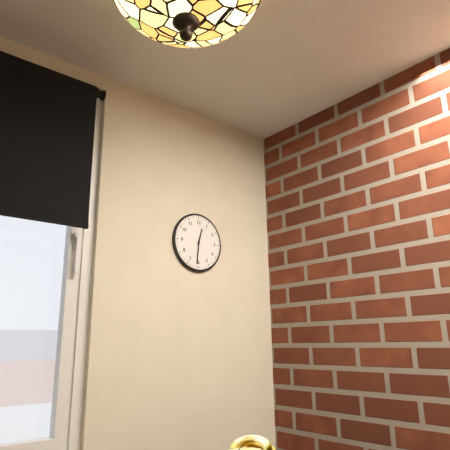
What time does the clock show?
12:31
